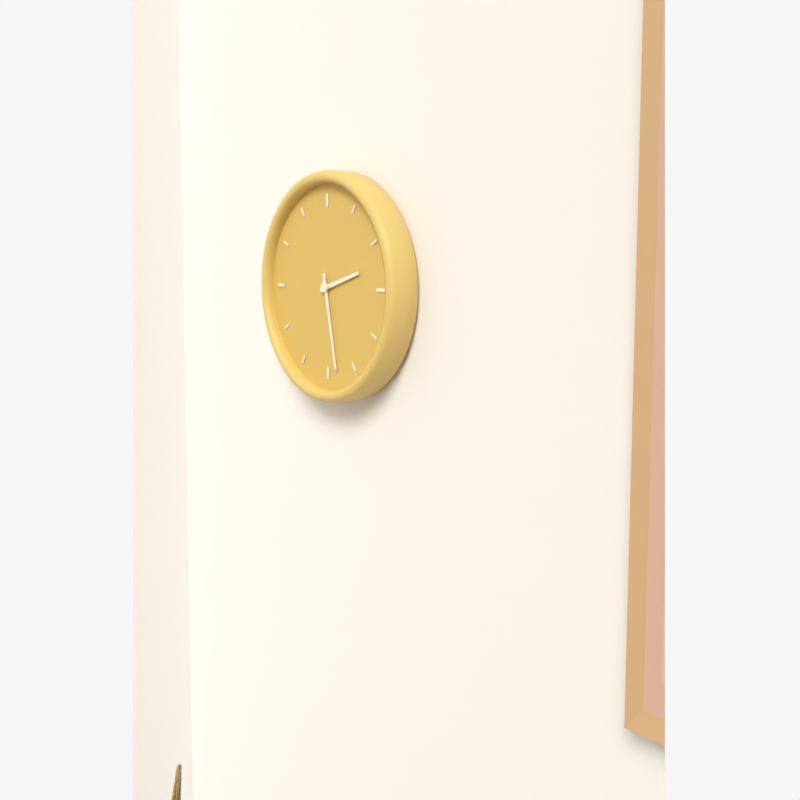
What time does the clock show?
2:28
